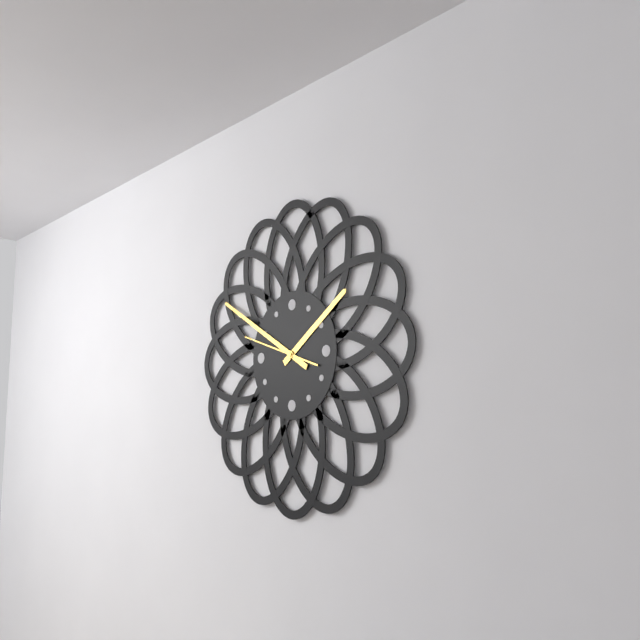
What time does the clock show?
1:50:48
